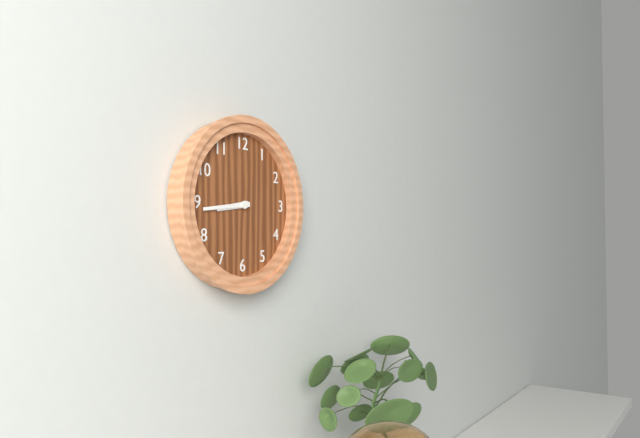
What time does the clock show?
8:44
